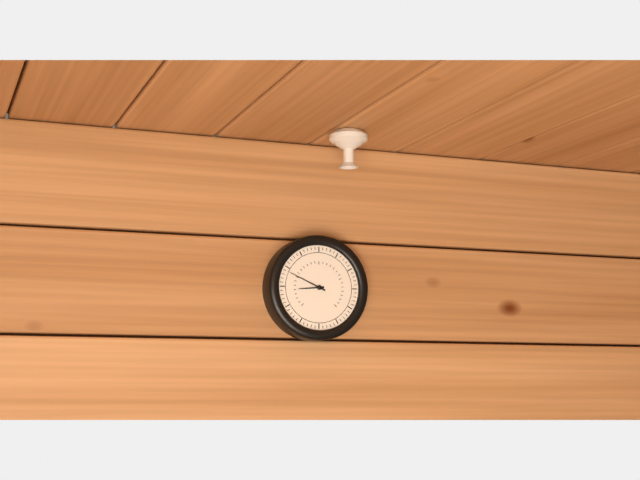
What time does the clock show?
8:49
